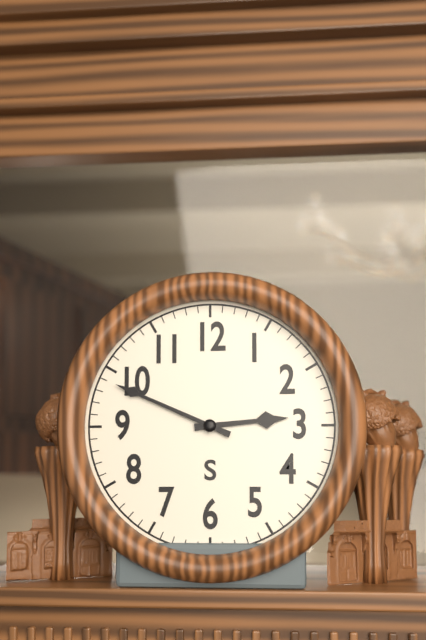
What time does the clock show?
2:49
